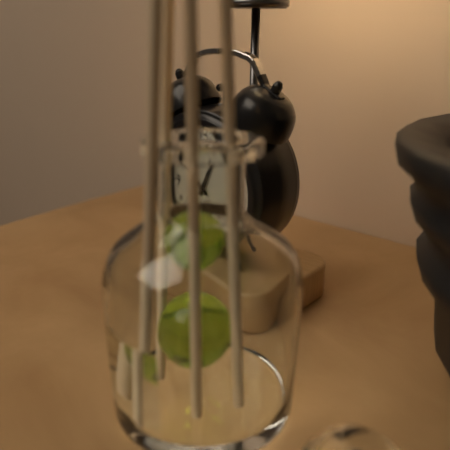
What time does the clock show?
12:51
